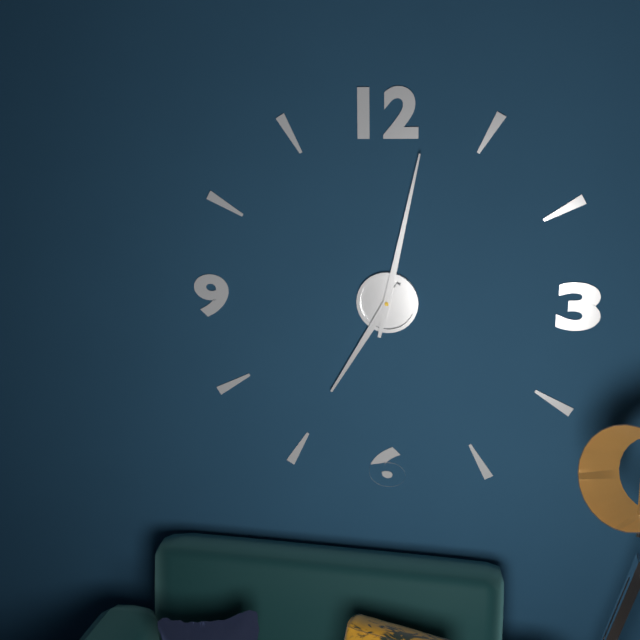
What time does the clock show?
7:02
